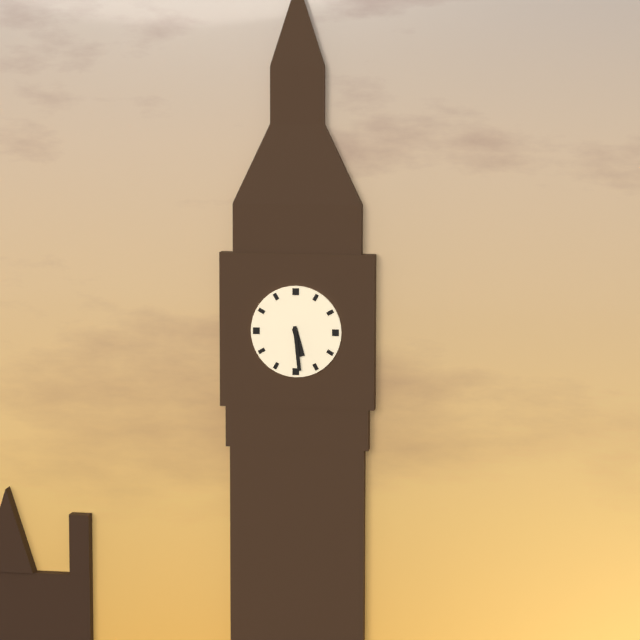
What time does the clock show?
5:29
